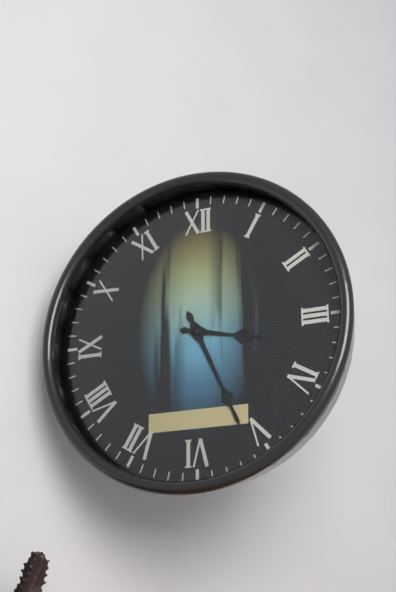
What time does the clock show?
3:26
